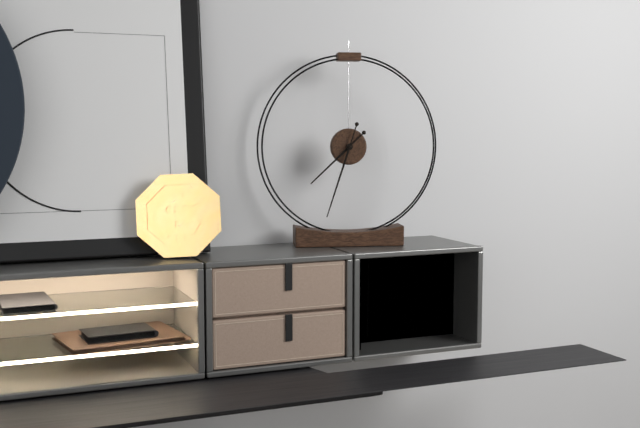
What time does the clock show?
7:33
